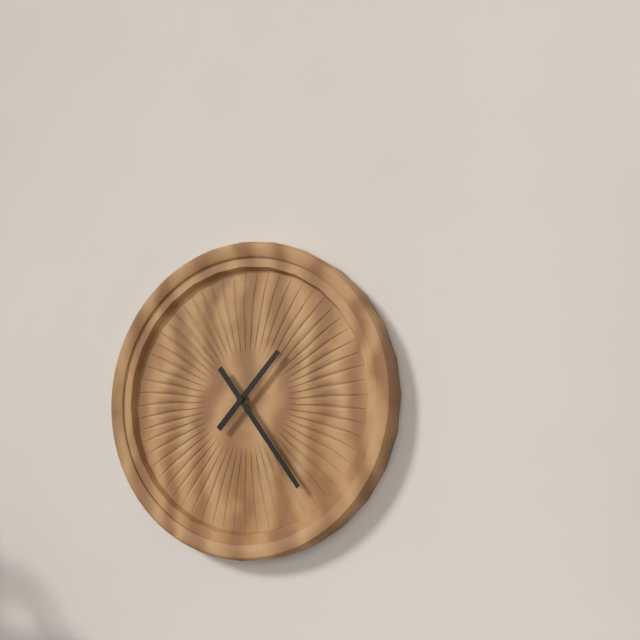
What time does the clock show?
1:24
